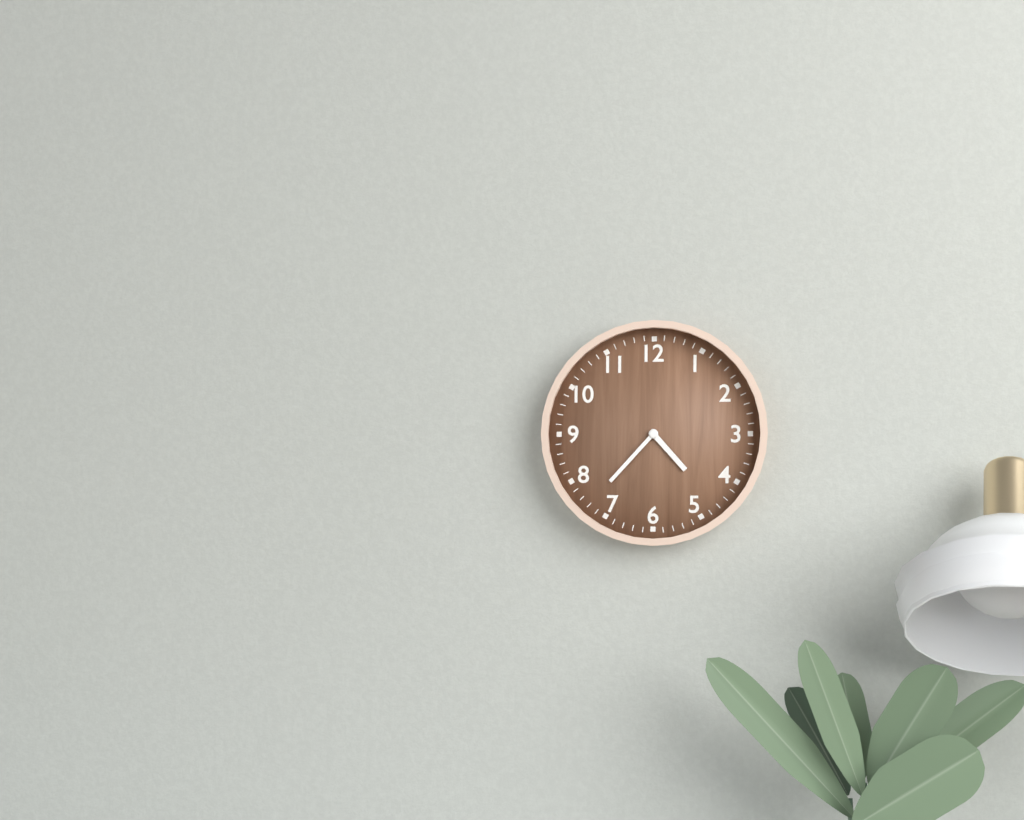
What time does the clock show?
4:37
